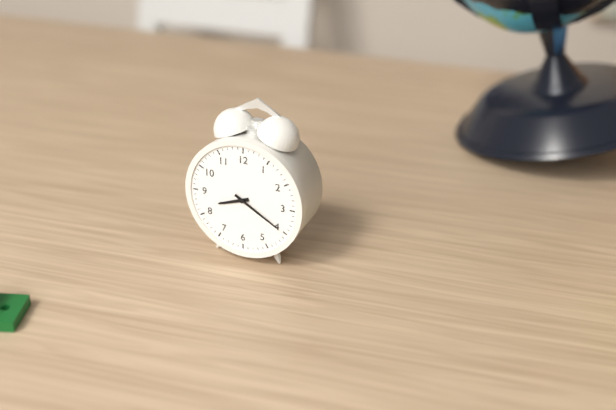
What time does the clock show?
8:20
